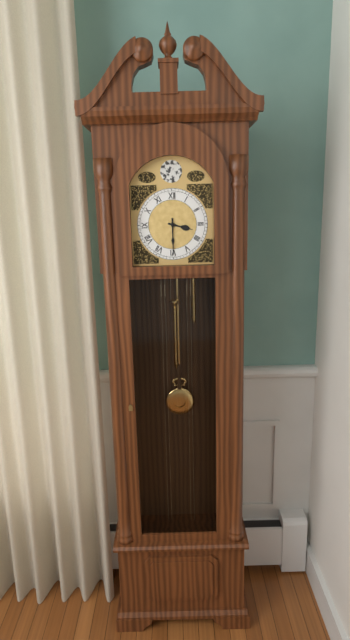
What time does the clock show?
3:30
